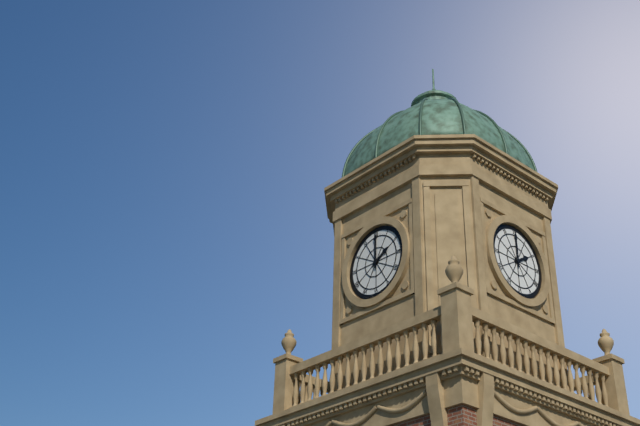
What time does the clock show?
2:00
